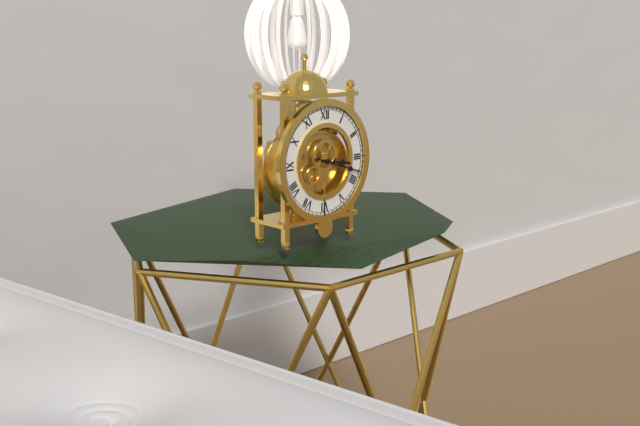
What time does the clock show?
3:18
